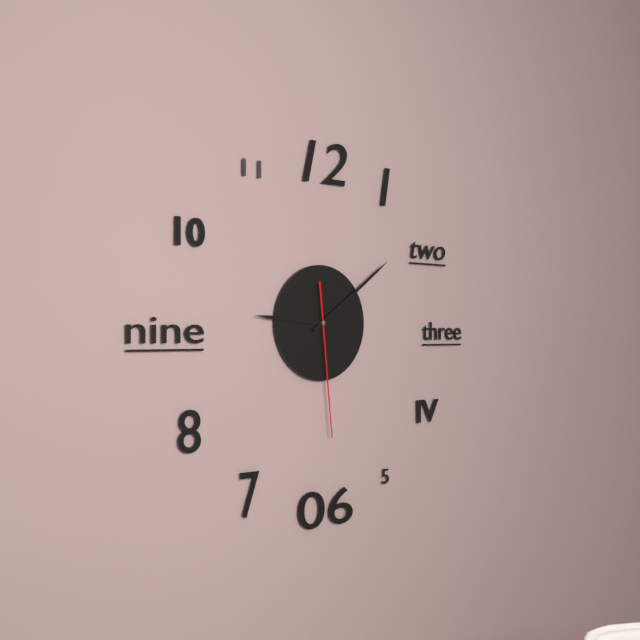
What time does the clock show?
9:09:29
